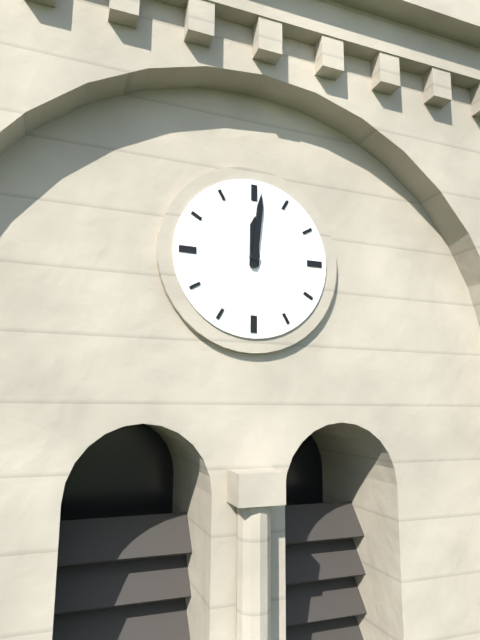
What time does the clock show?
12:01
